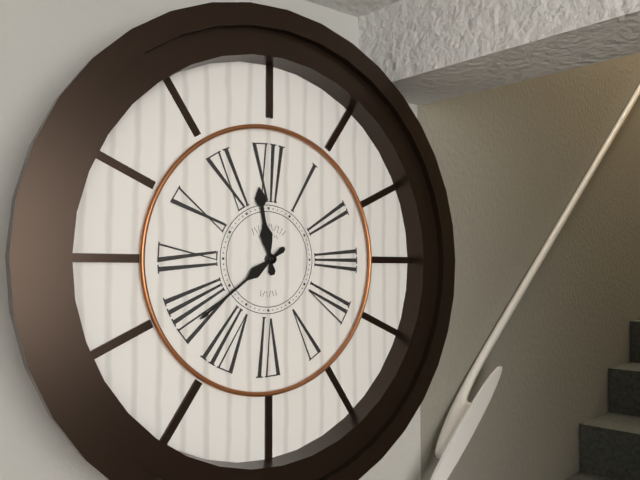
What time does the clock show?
11:39
